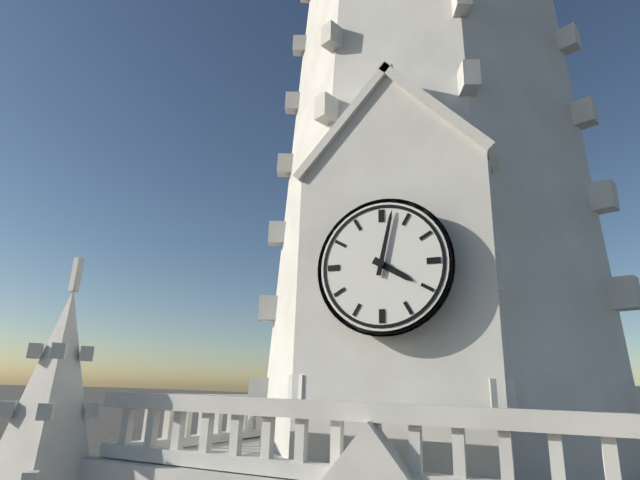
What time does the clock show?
4:02
